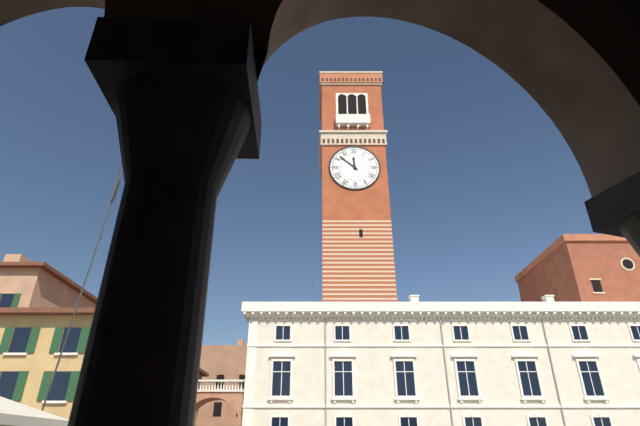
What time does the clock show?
11:52
